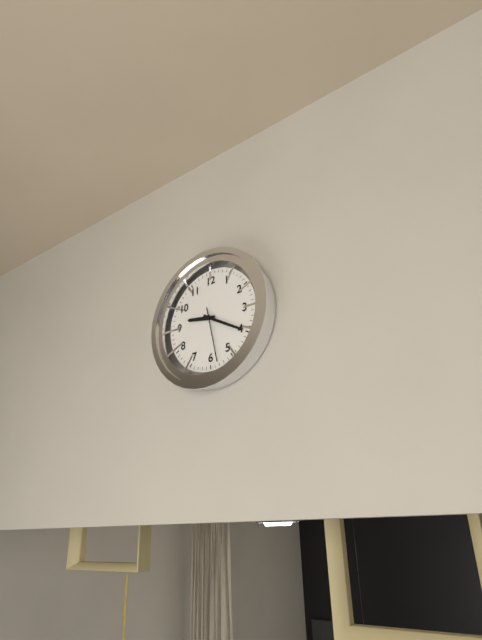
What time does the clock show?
9:20:28
